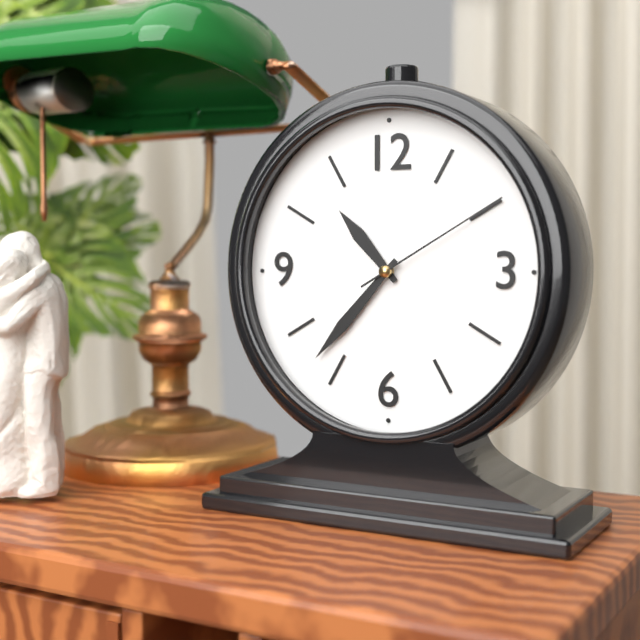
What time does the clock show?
10:37:10
